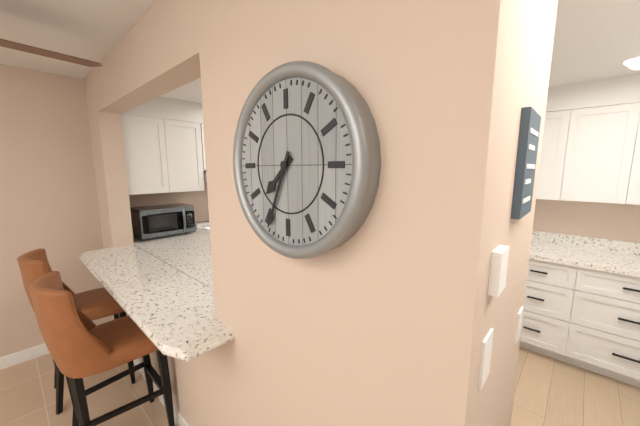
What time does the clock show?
7:34
